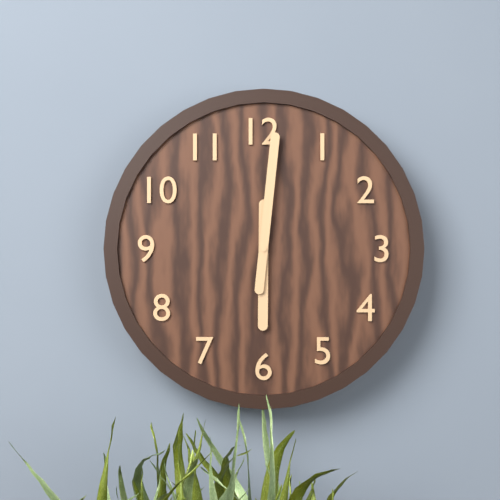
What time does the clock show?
6:01
